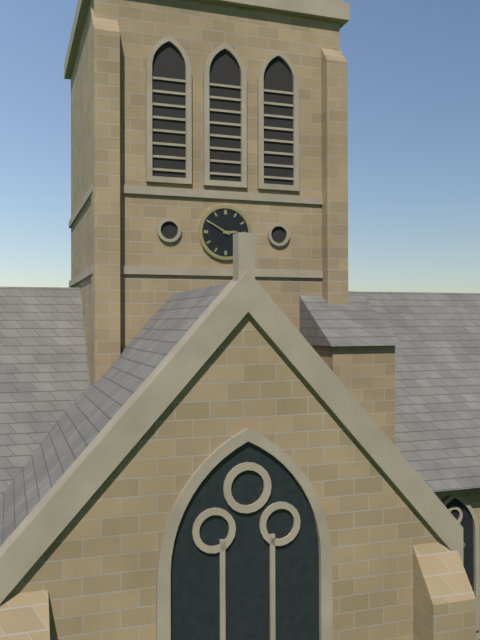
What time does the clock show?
2:50
